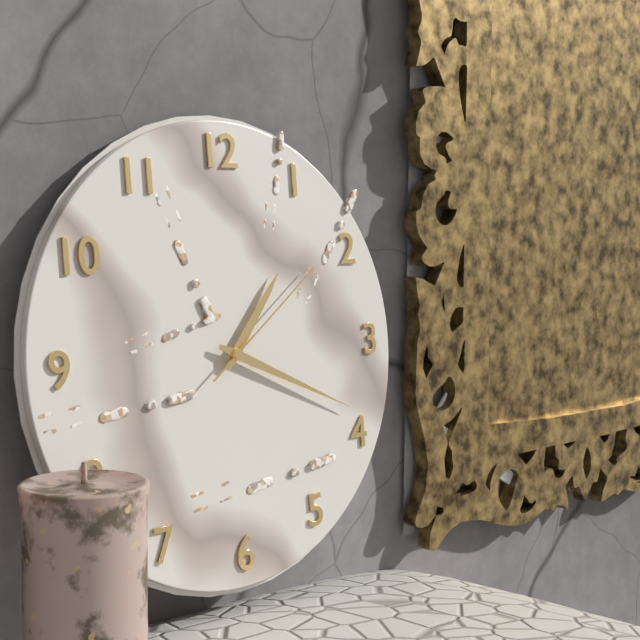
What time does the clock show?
1:19:09
